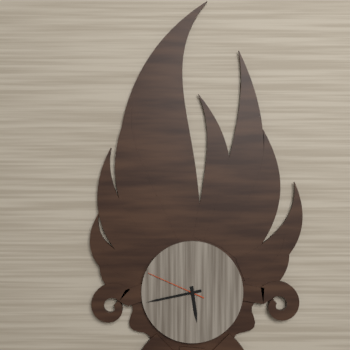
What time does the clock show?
5:43:49
